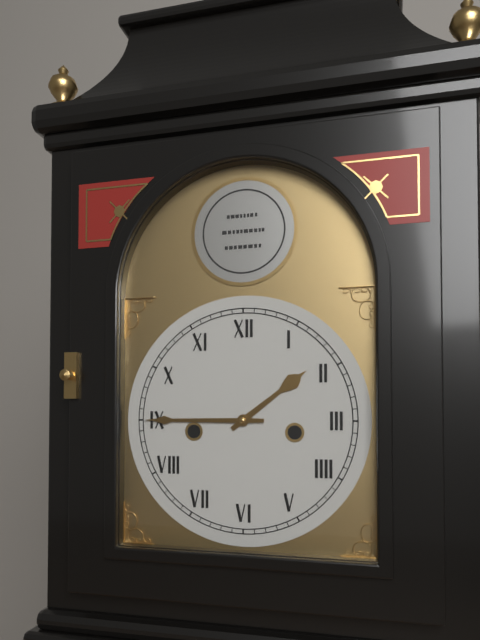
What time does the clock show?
1:45
